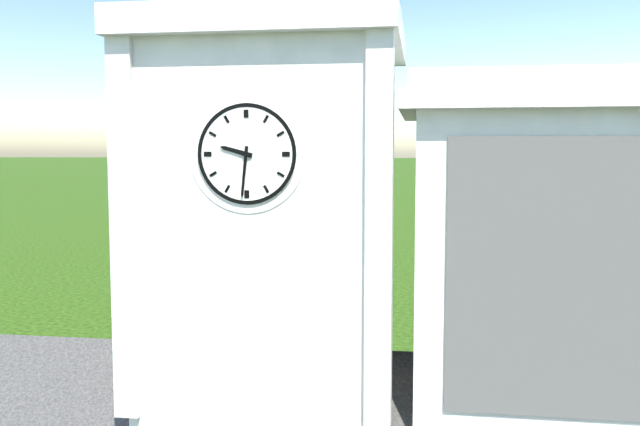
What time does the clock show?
9:31
